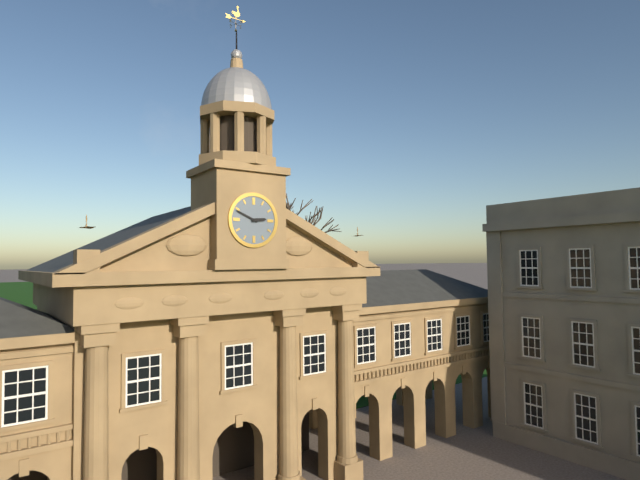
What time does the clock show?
2:49
